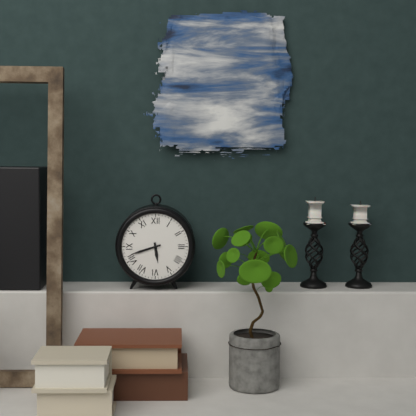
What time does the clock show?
5:42
